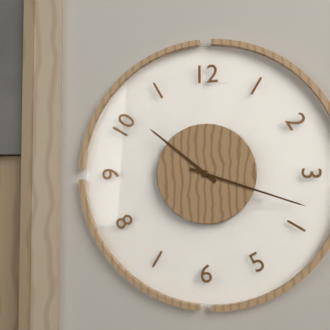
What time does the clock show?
10:18
